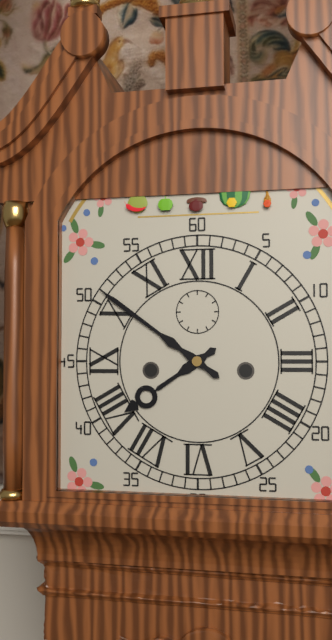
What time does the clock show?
7:51
